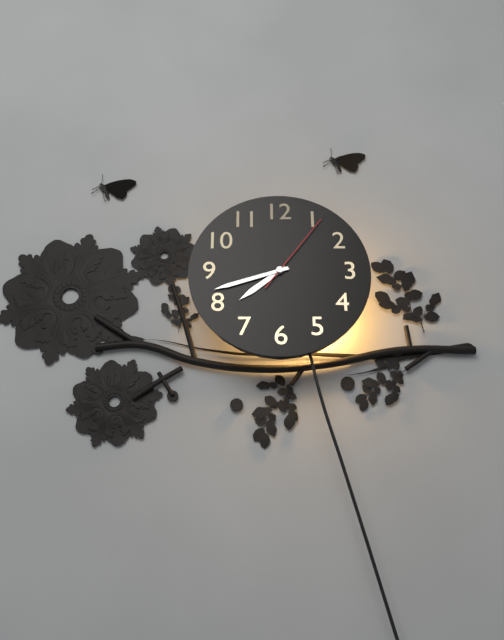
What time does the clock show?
7:42:06
